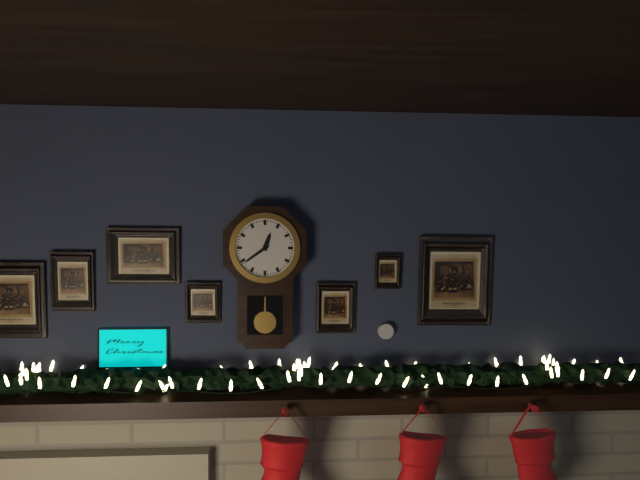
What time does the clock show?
12:39
